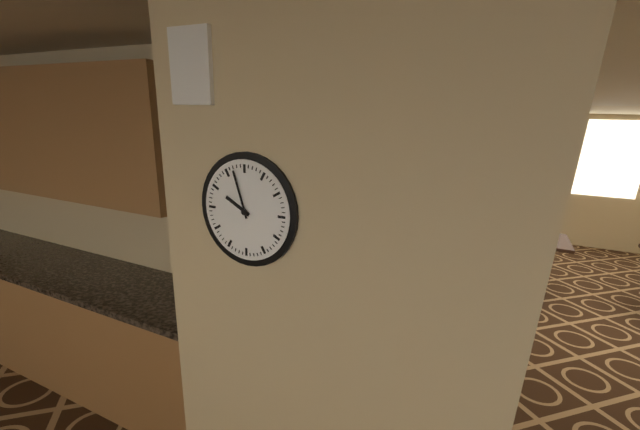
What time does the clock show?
9:57
